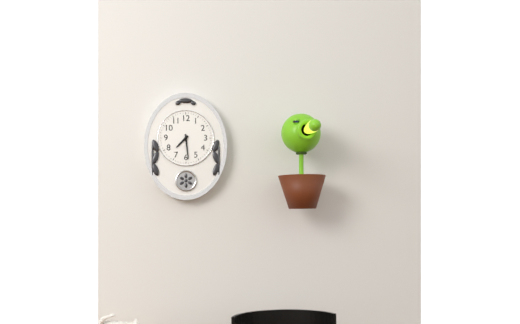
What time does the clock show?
7:29
